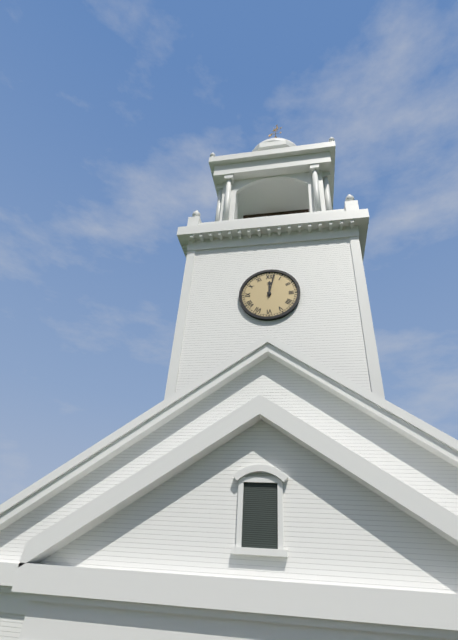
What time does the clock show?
12:02
